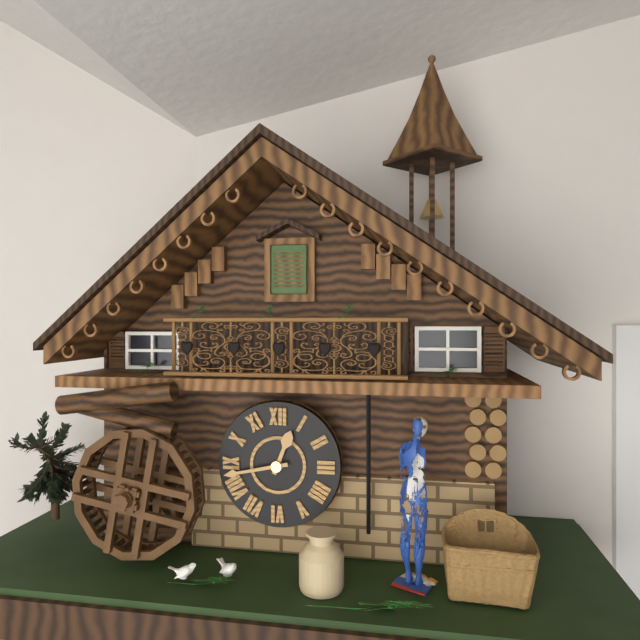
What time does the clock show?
12:43
